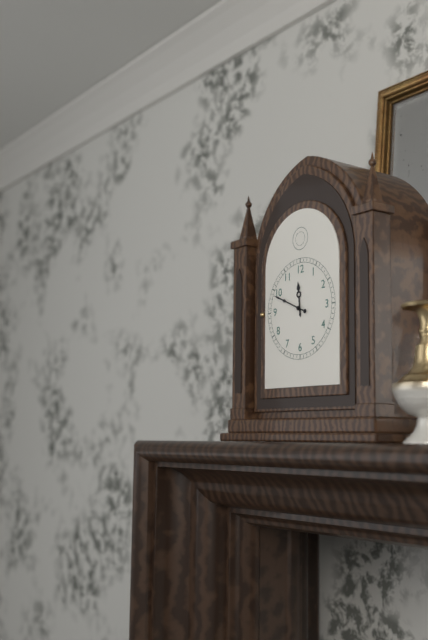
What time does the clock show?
11:49
